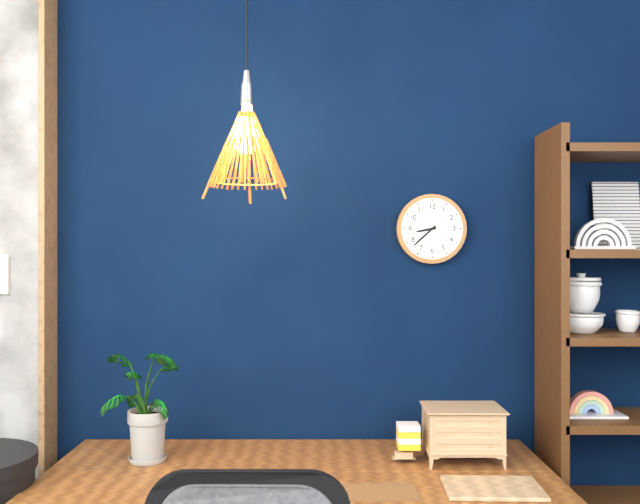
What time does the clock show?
8:38
